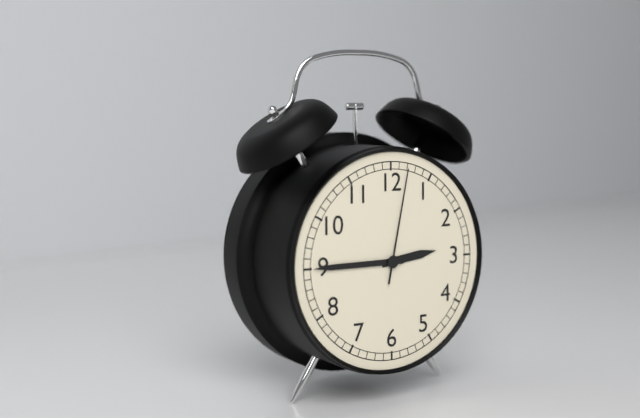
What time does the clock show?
2:45:02
